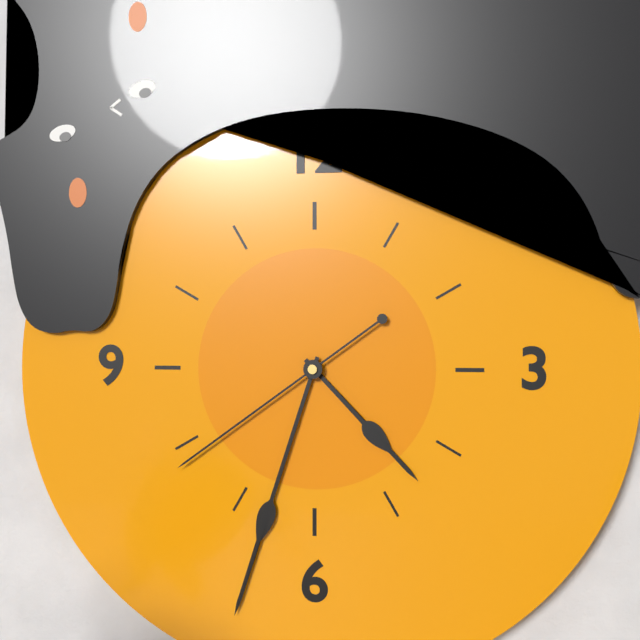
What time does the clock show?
4:33:39
